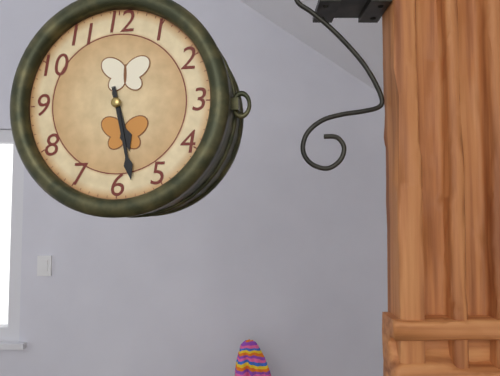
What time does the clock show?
5:28
